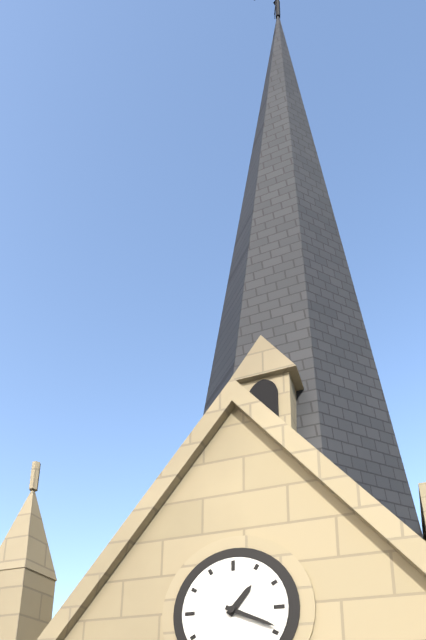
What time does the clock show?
1:19
